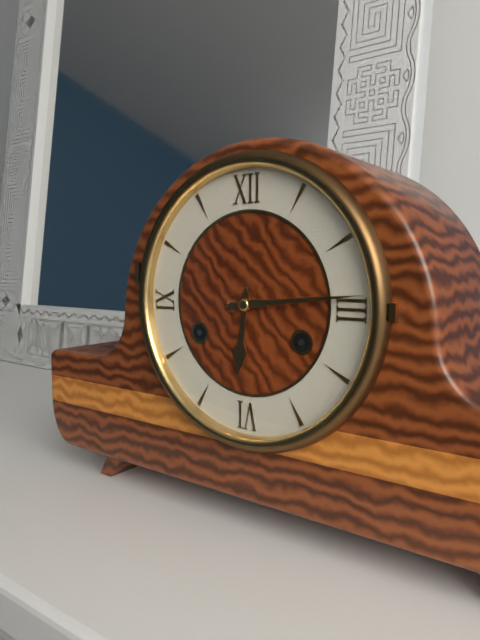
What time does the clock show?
6:14
